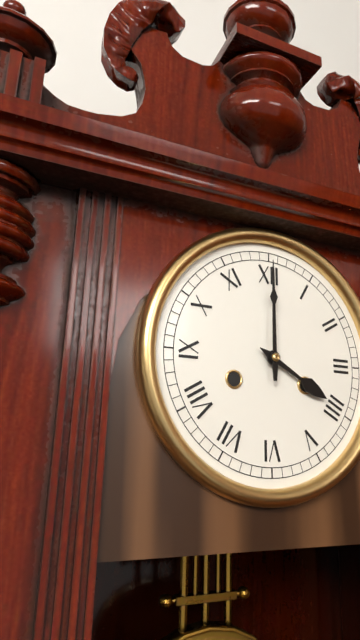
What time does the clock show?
4:00
